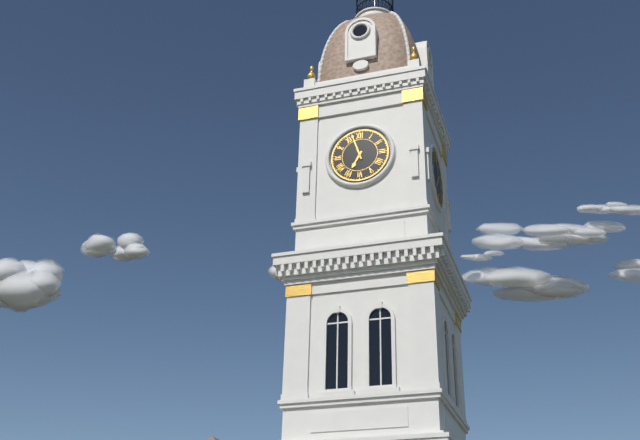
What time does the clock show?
6:57
